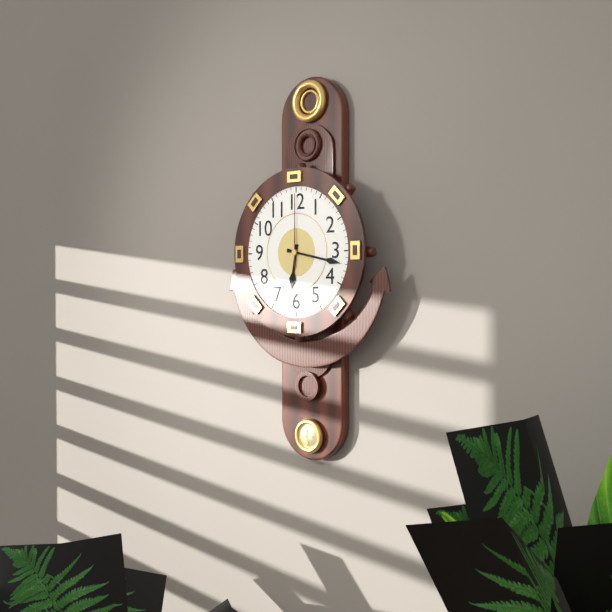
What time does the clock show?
6:17:00
